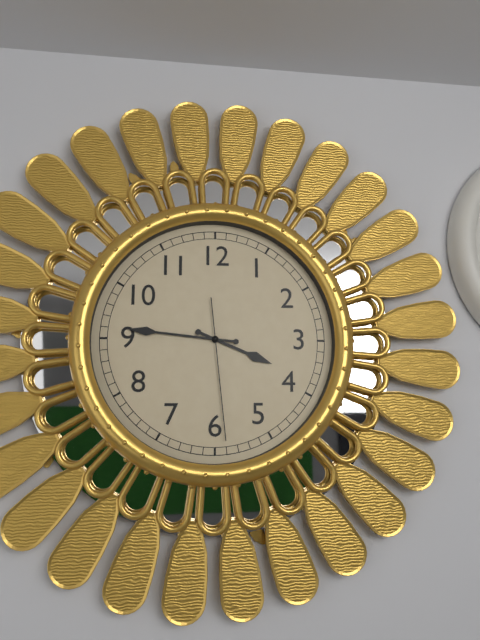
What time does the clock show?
3:46:29
